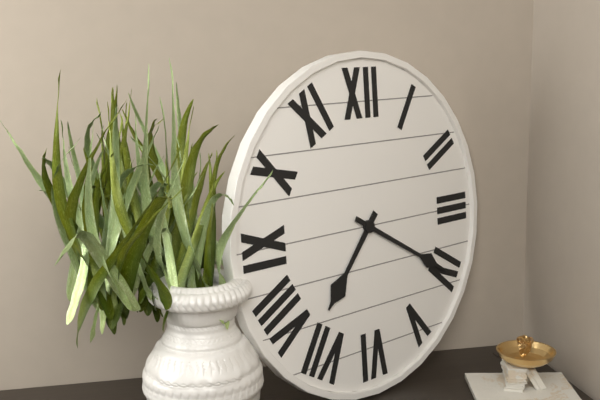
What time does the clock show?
7:20
